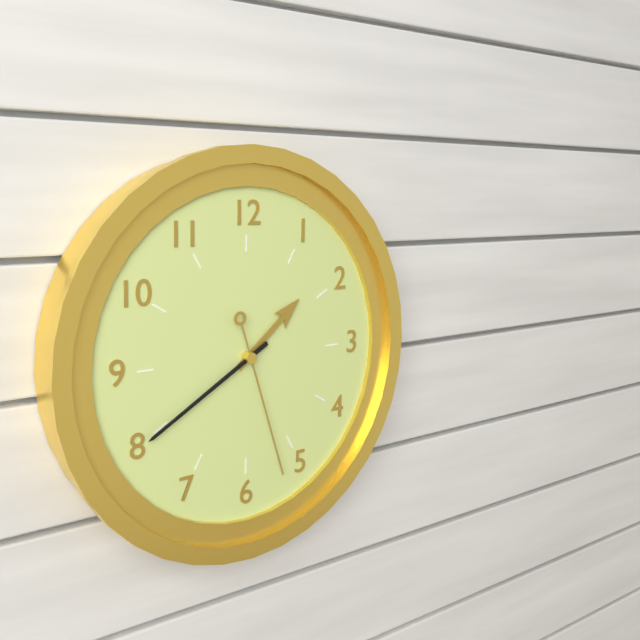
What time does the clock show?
1:40:27
